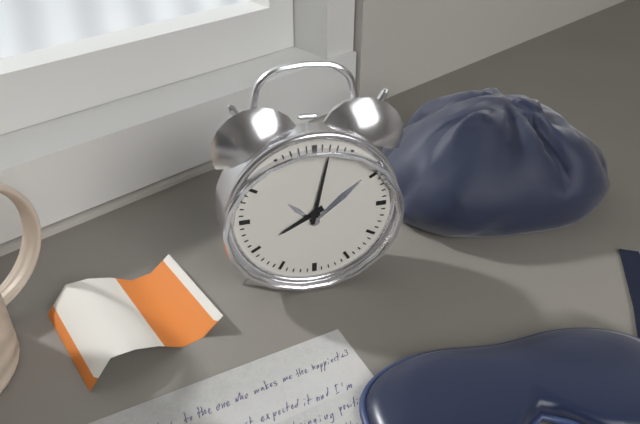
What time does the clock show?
8:02
